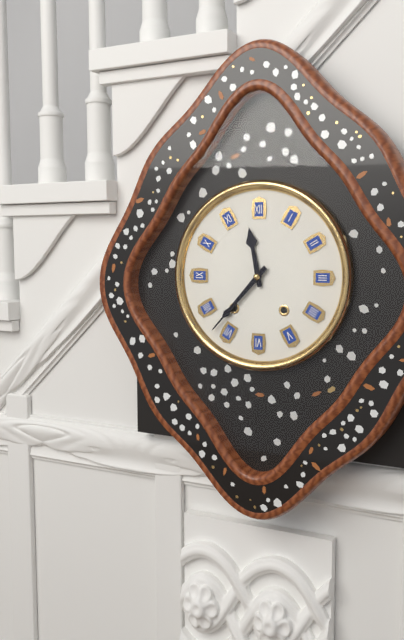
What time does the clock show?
11:37
